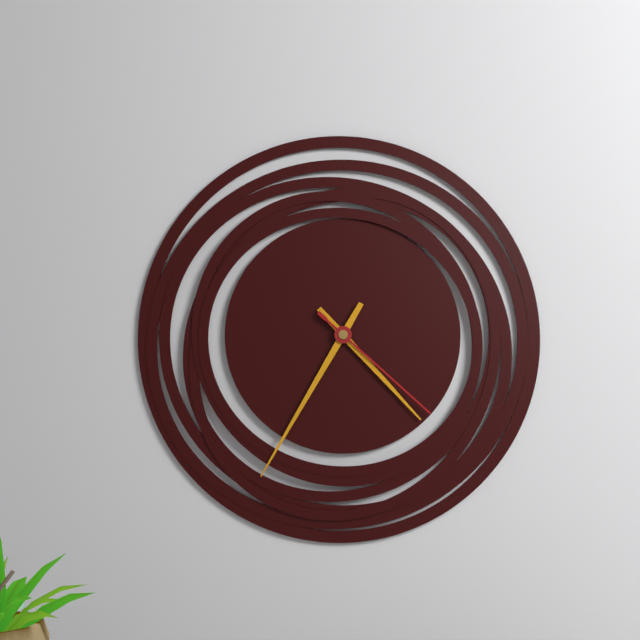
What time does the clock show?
4:35:22
